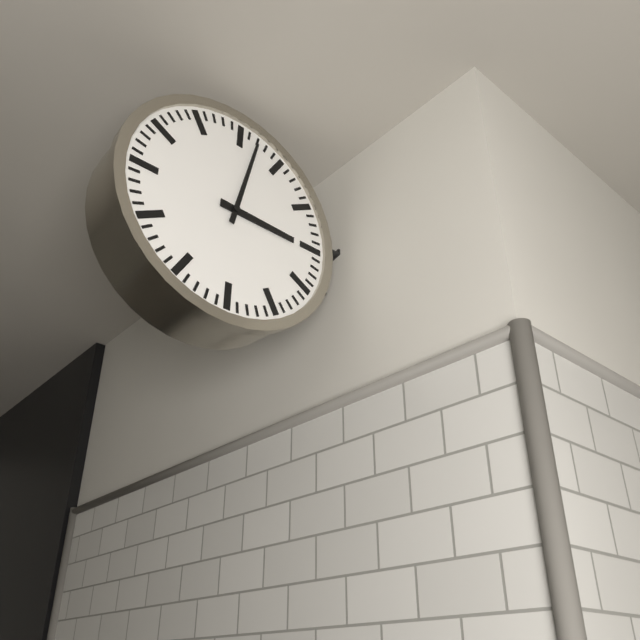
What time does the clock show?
3:02
